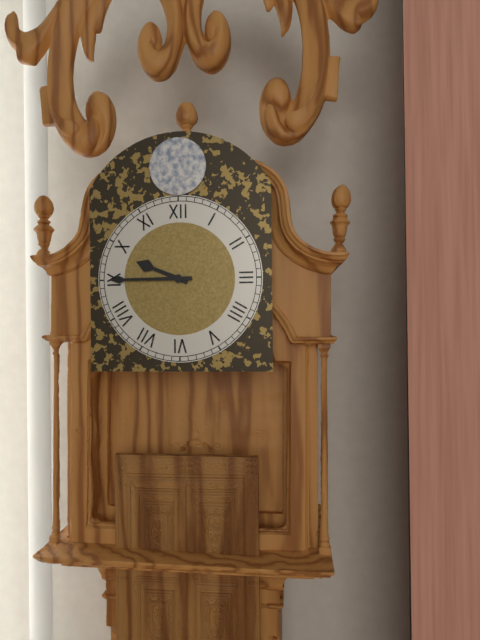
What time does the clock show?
9:45
